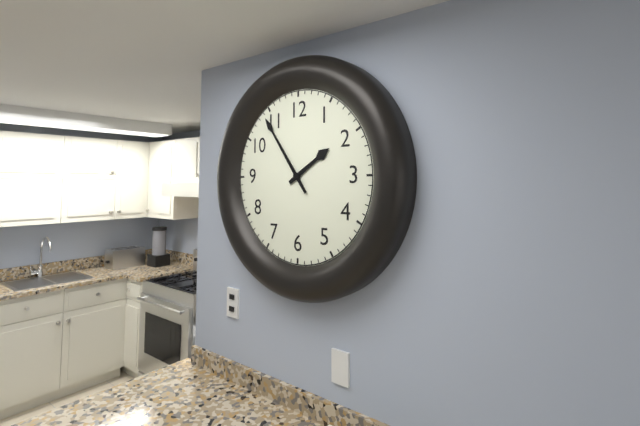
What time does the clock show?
1:54
